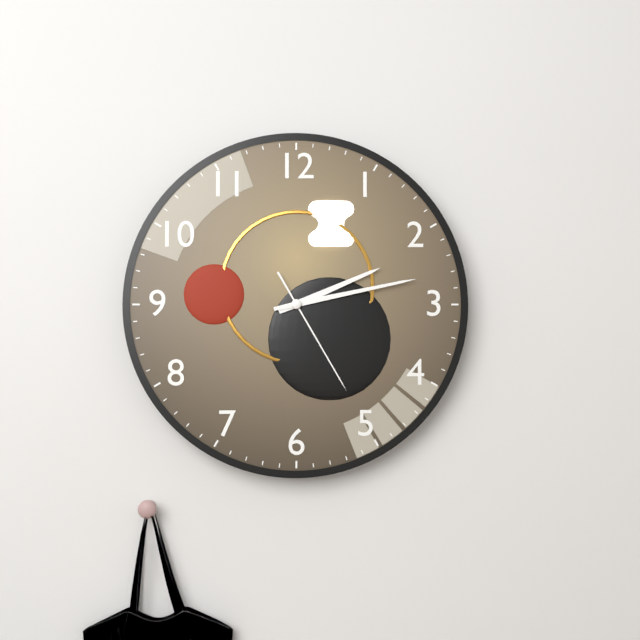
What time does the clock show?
2:13:25
